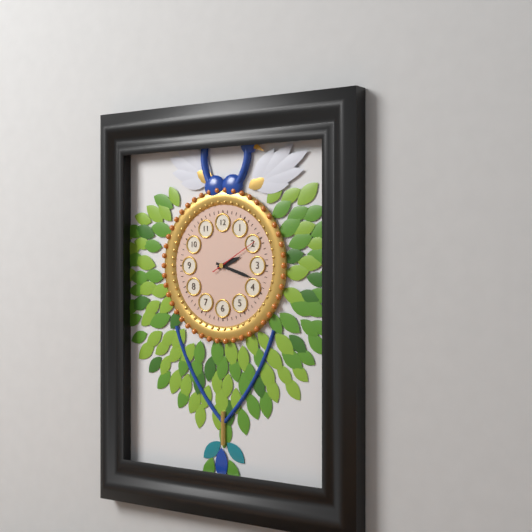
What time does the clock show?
2:18:10
